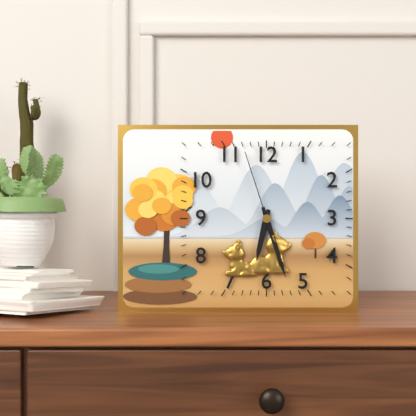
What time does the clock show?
6:27:57
